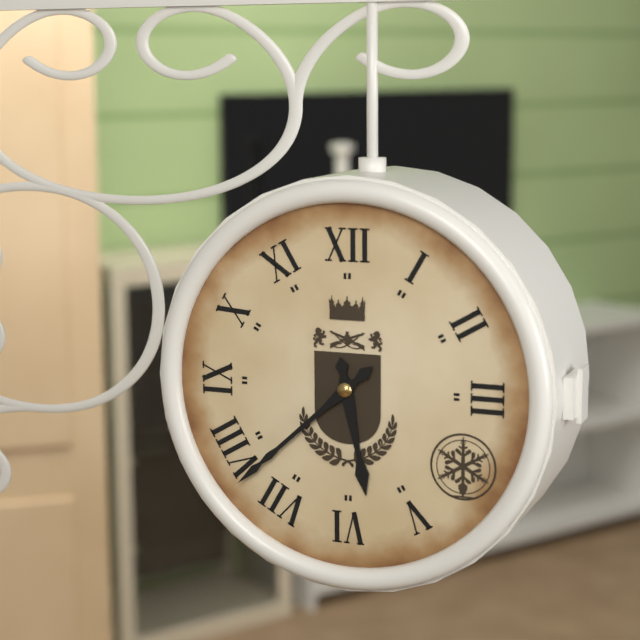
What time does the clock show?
5:38
